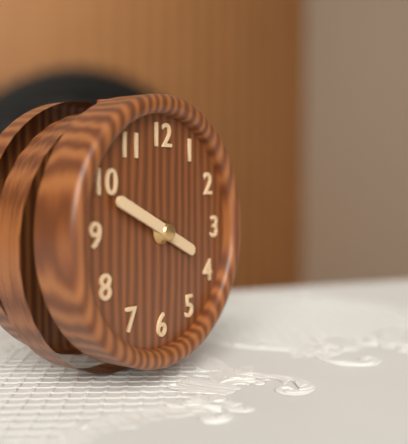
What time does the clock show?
3:49
